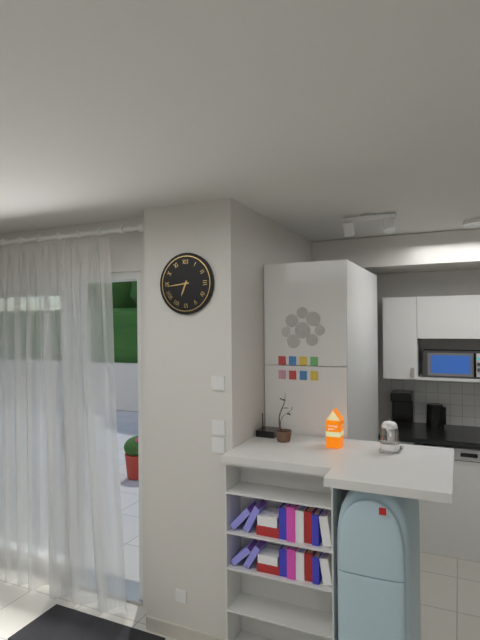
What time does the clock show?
6:44
